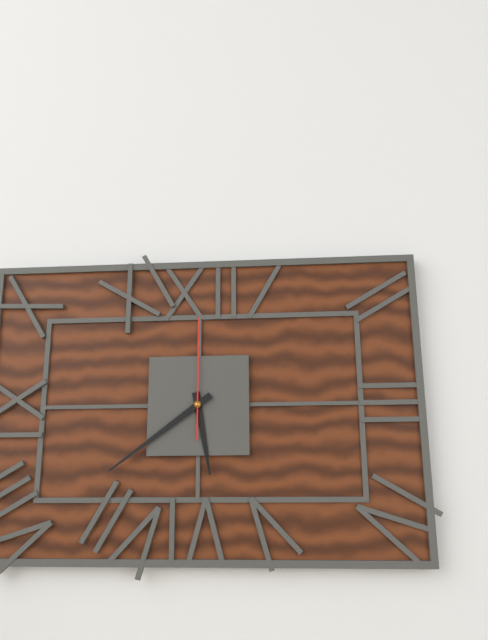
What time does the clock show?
5:39:00
